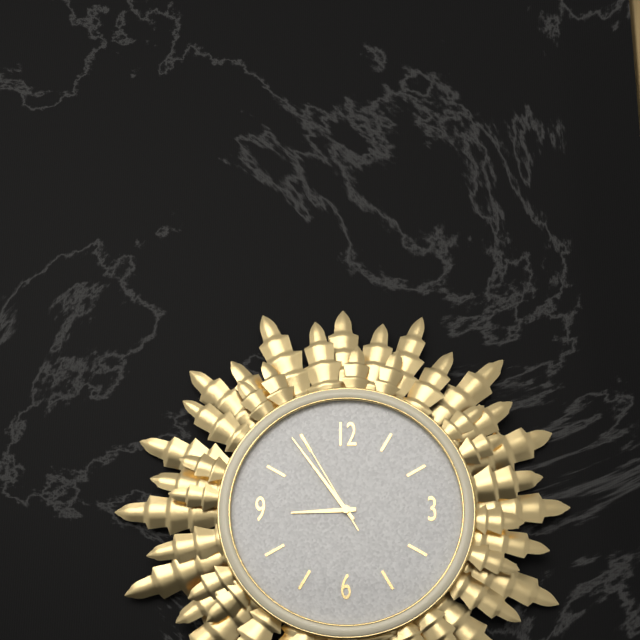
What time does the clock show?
8:54:55
